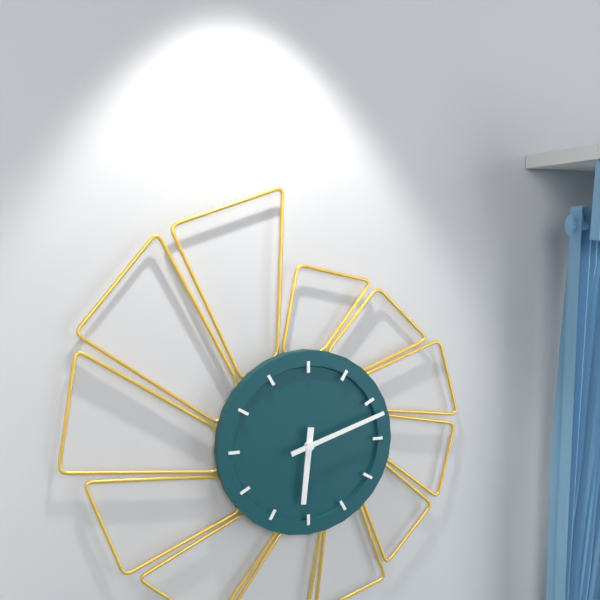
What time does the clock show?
6:12
